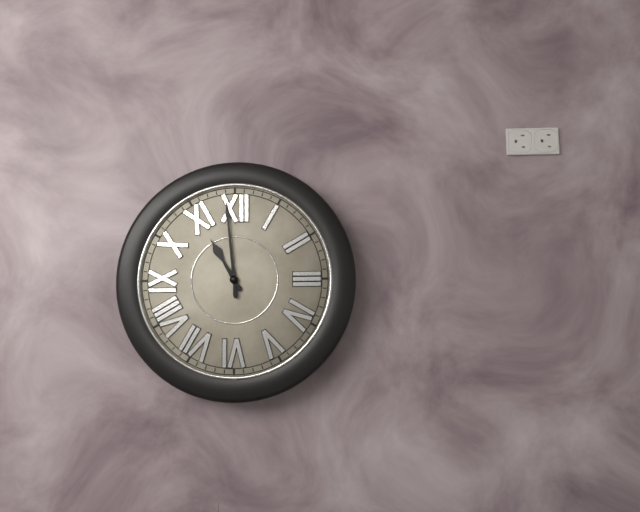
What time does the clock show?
10:59
